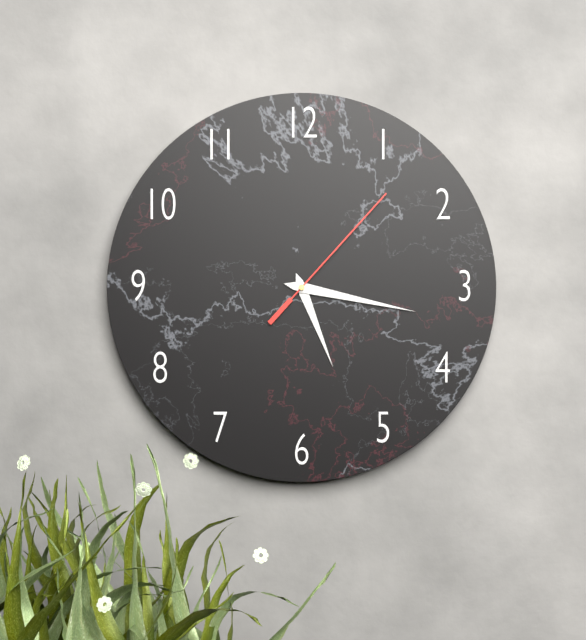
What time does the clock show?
5:17:07
